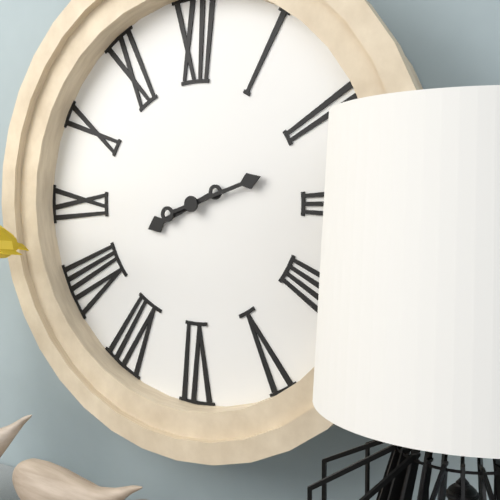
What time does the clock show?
8:12
